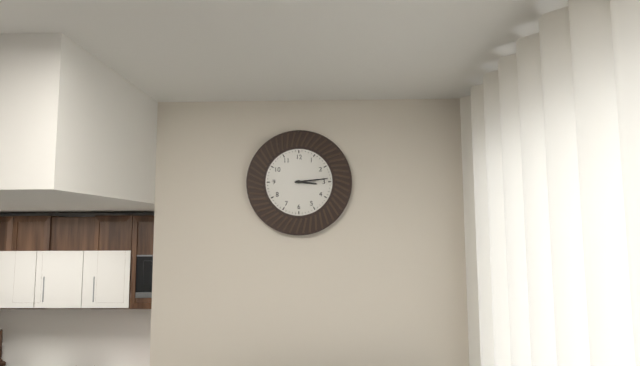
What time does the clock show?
3:14
